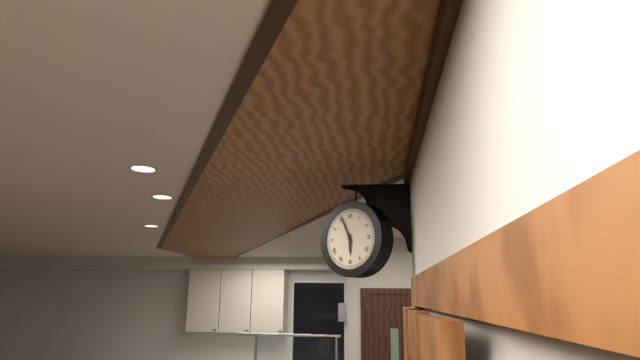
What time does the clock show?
5:56
